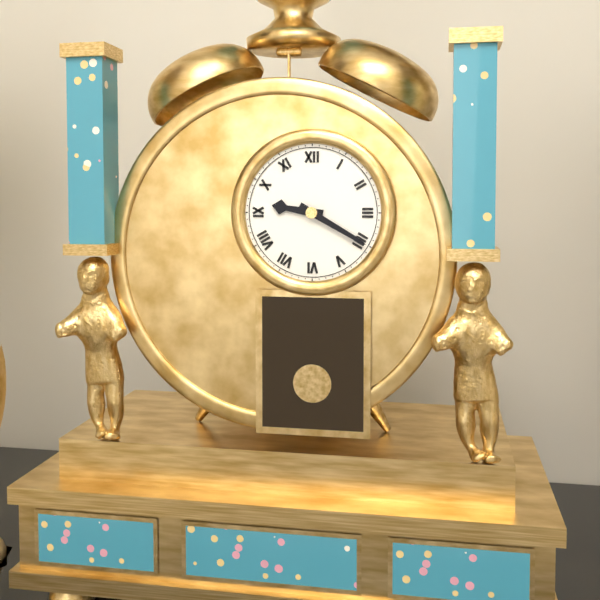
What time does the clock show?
9:20
